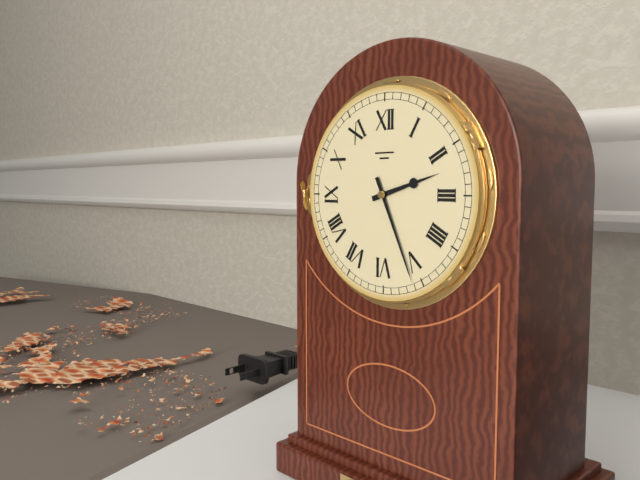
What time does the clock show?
2:26
